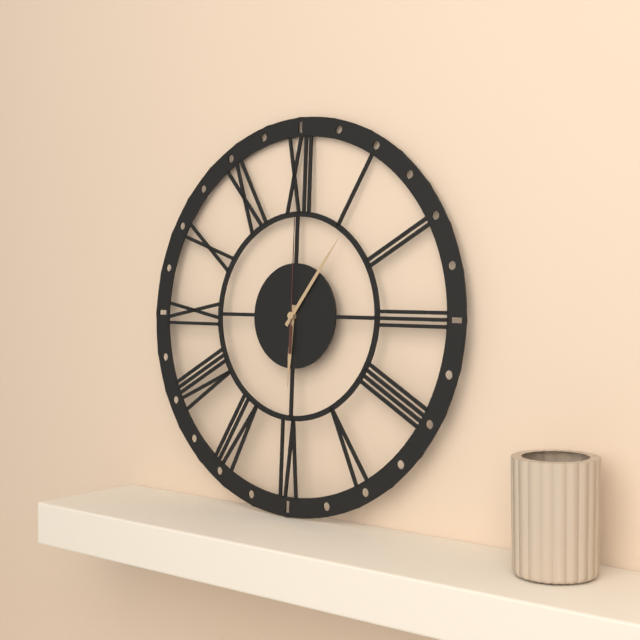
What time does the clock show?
6:06:00
